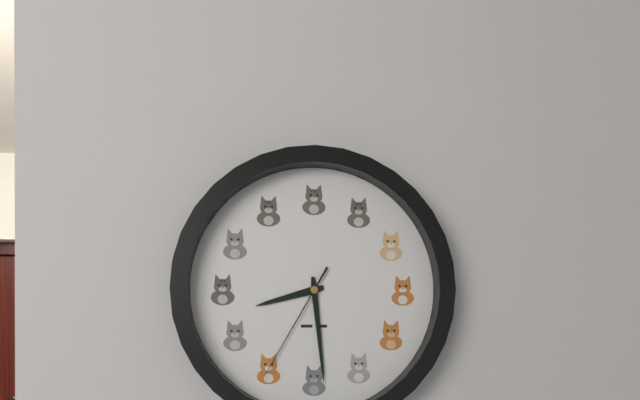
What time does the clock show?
8:29:35
